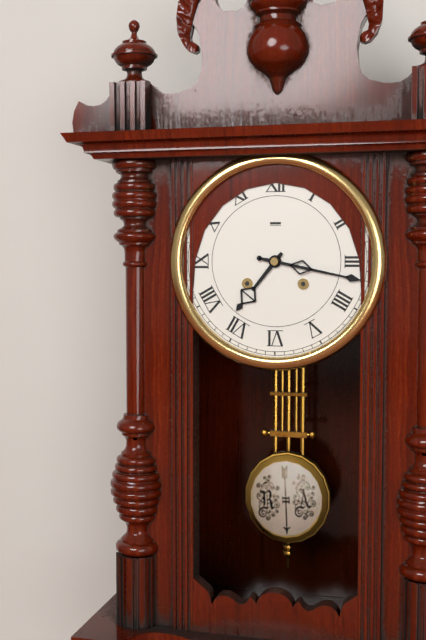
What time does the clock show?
7:17
